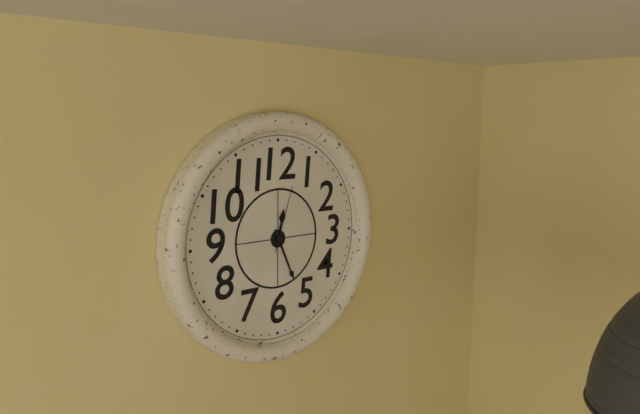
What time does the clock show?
12:26:03
